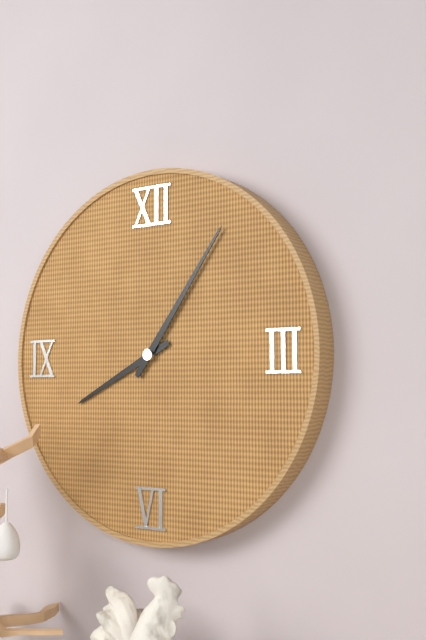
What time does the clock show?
8:06
